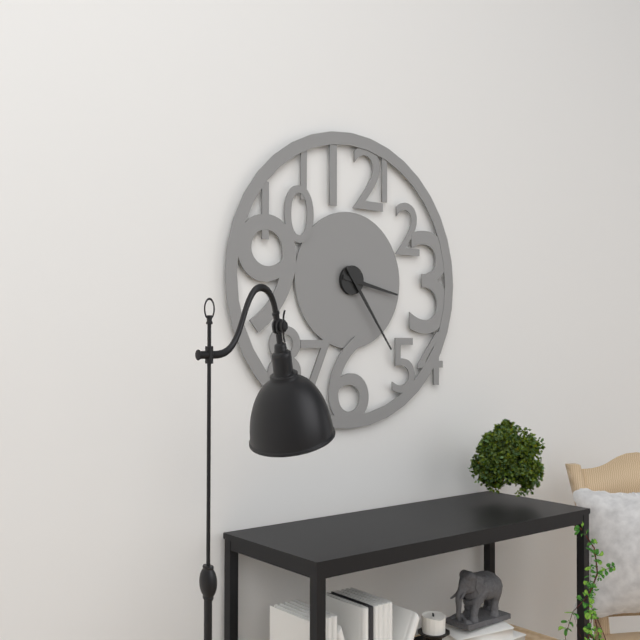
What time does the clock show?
3:24
